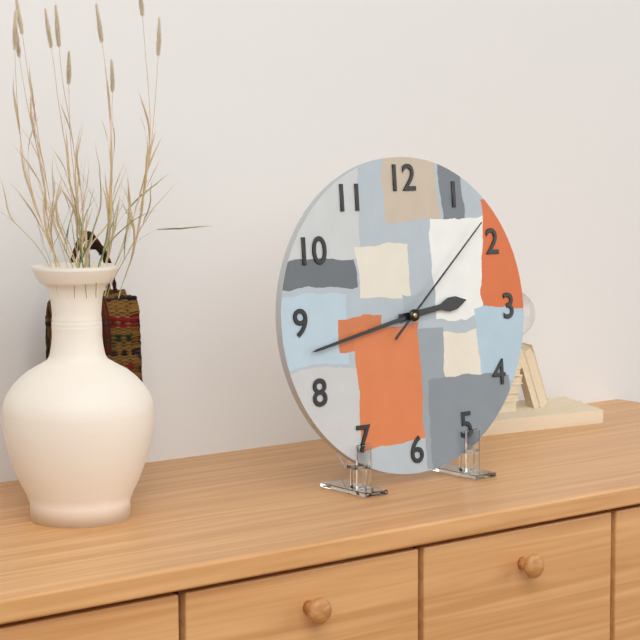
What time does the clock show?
2:43:08
